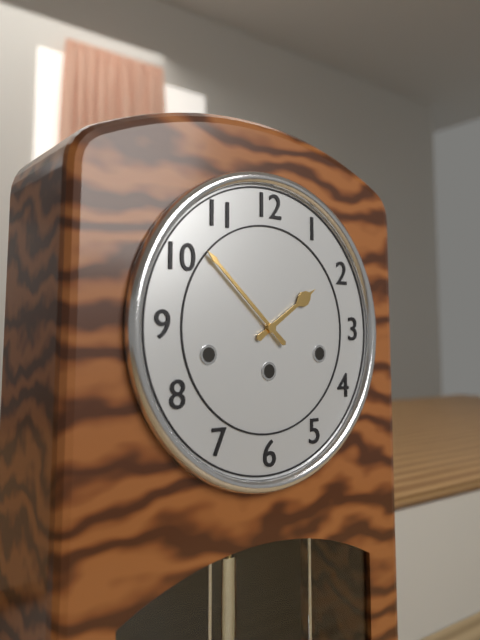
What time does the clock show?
1:52
